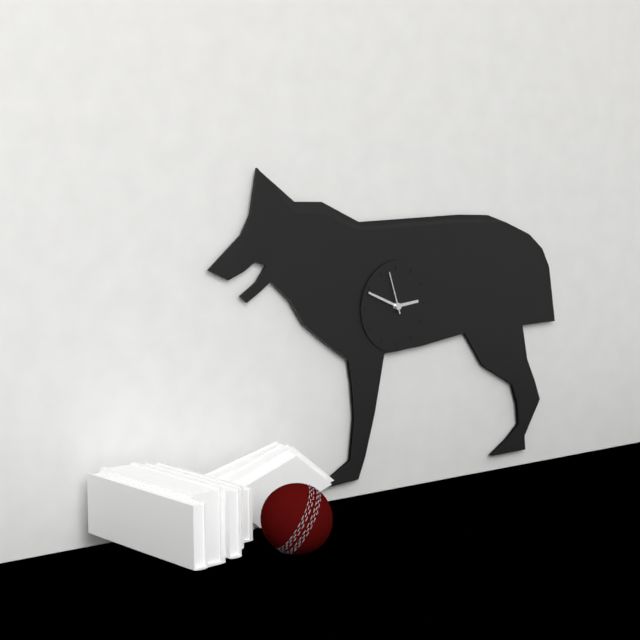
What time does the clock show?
2:49
